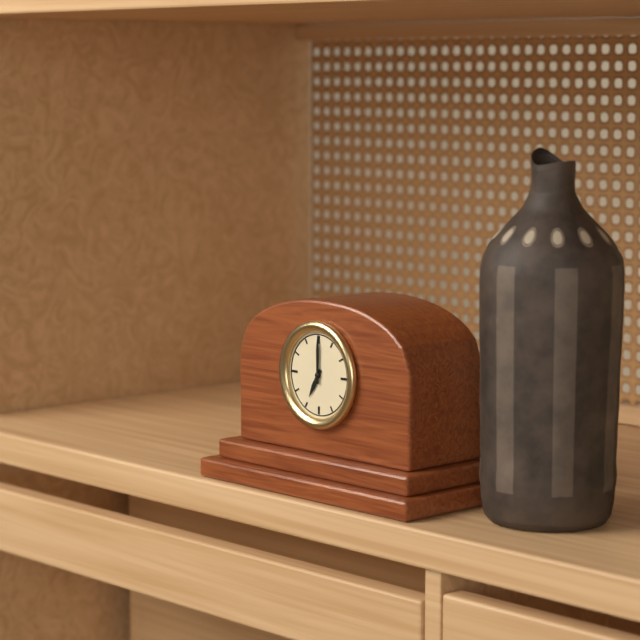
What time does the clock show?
7:00
